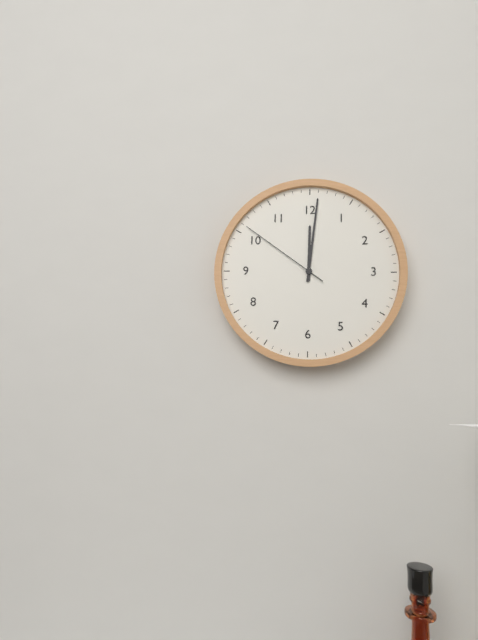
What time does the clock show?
12:01:51
